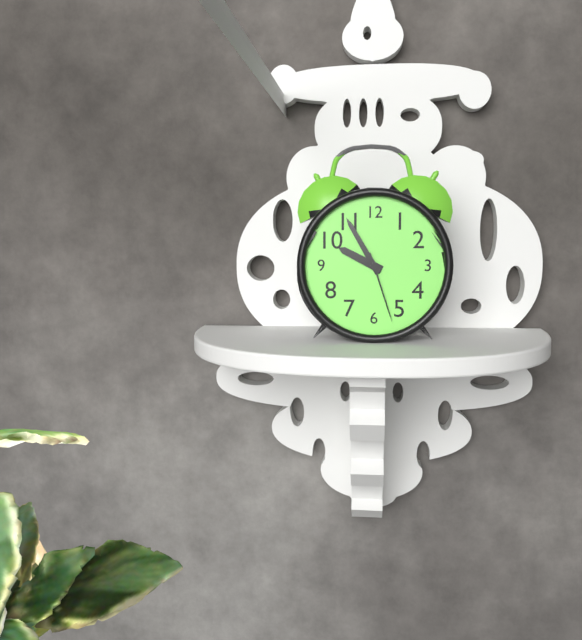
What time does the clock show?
9:55:27
